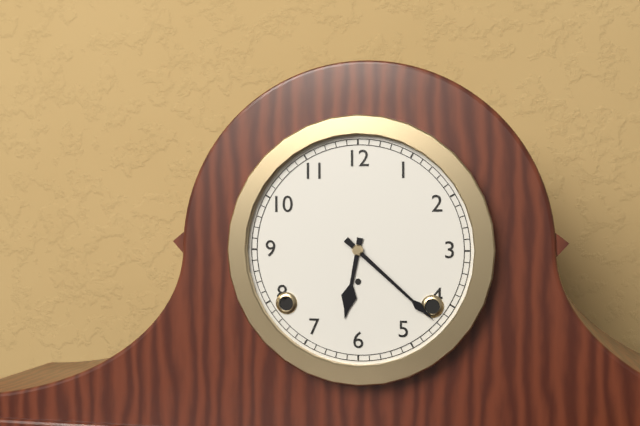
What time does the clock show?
6:22
